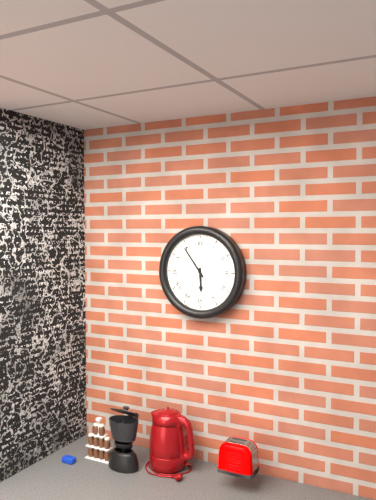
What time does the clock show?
5:54
